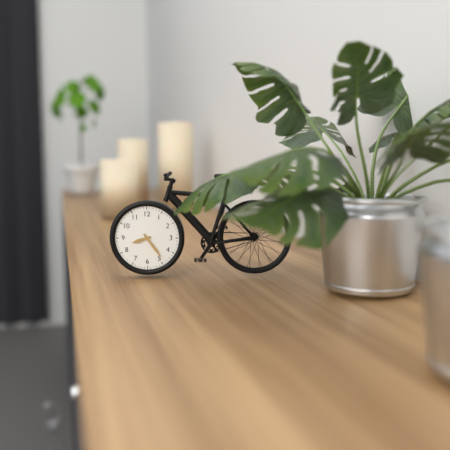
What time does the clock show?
8:24
